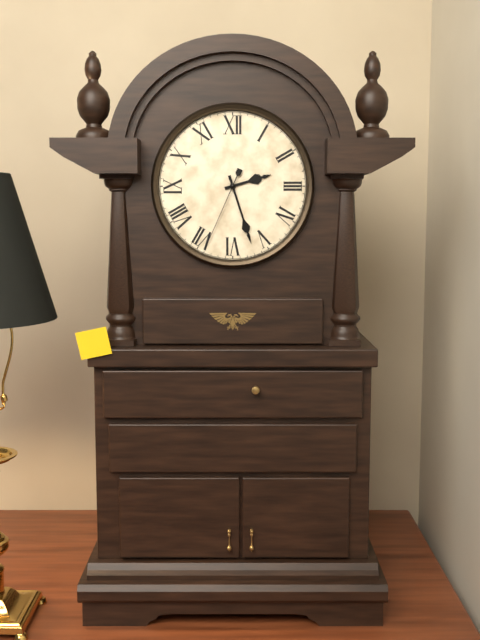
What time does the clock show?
2:27:34
